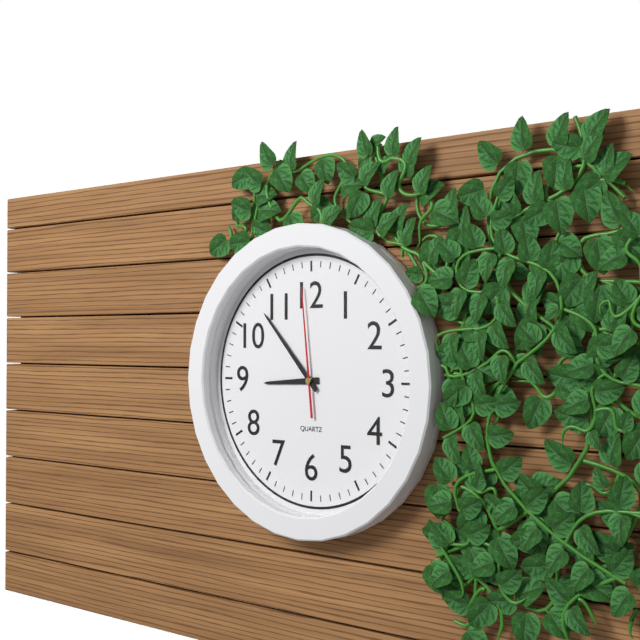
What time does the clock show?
8:53:59
